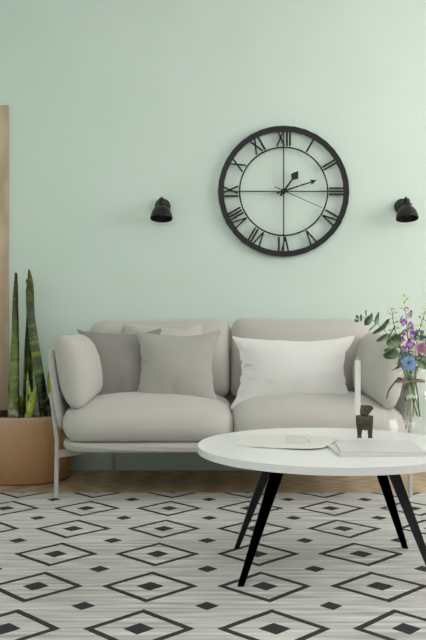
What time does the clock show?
1:12:19
